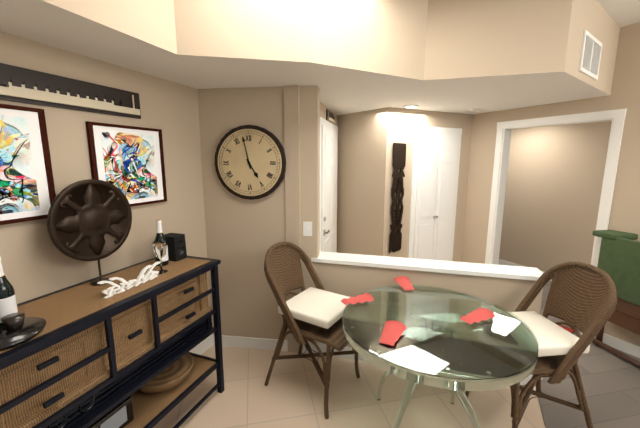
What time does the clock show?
4:58
